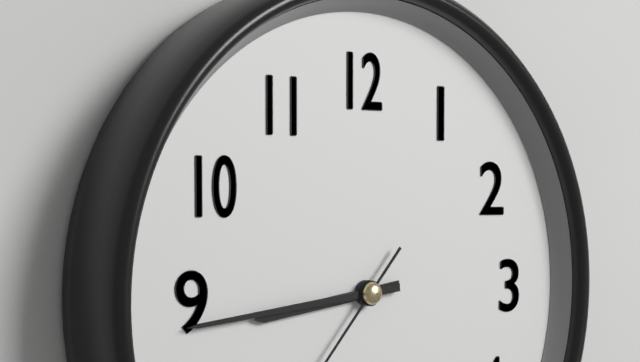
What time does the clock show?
8:44
